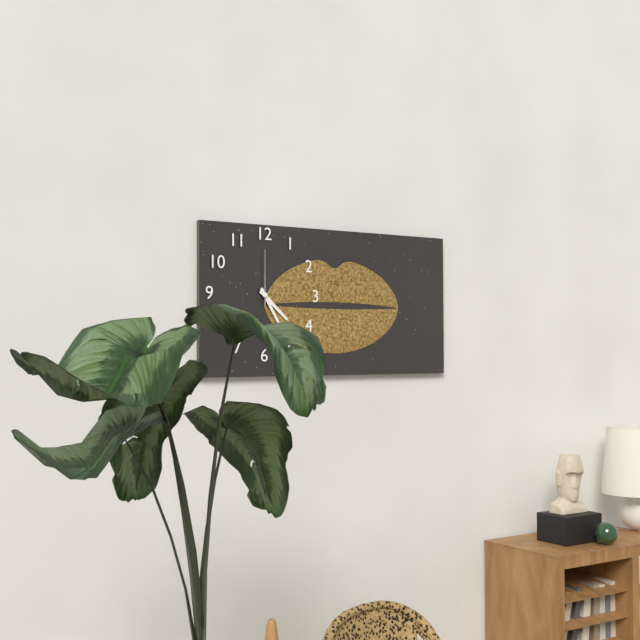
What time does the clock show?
4:25:00
